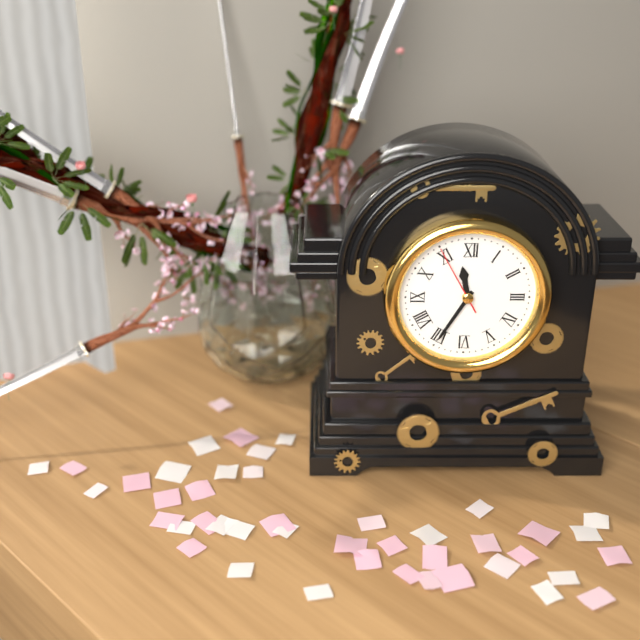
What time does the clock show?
11:35:55
